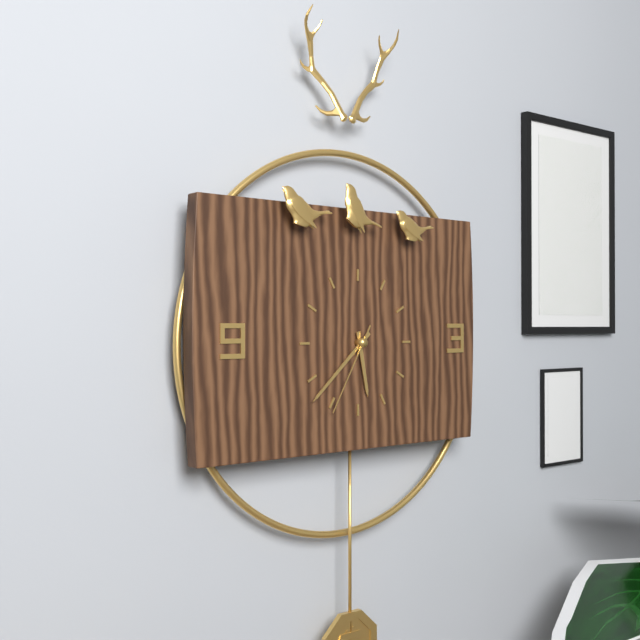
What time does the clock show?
5:38:35
